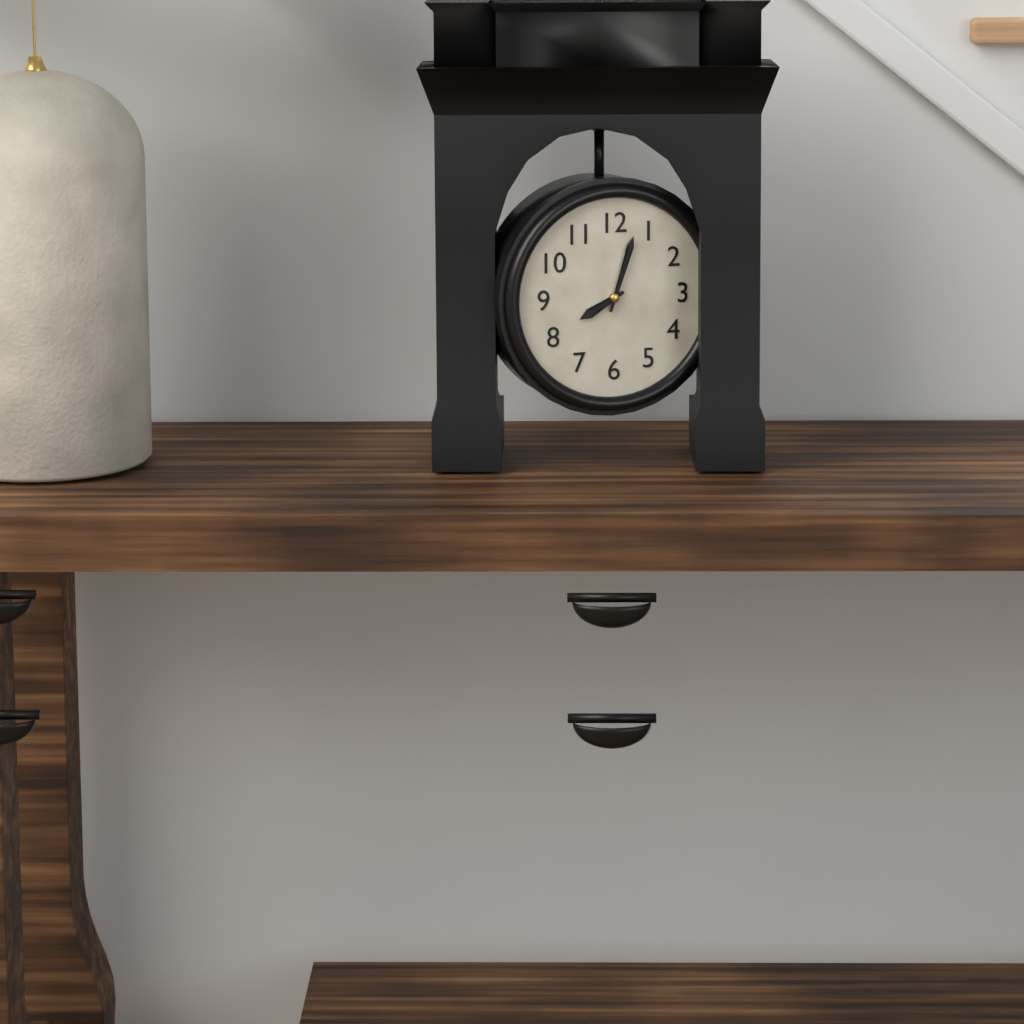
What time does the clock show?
8:03
